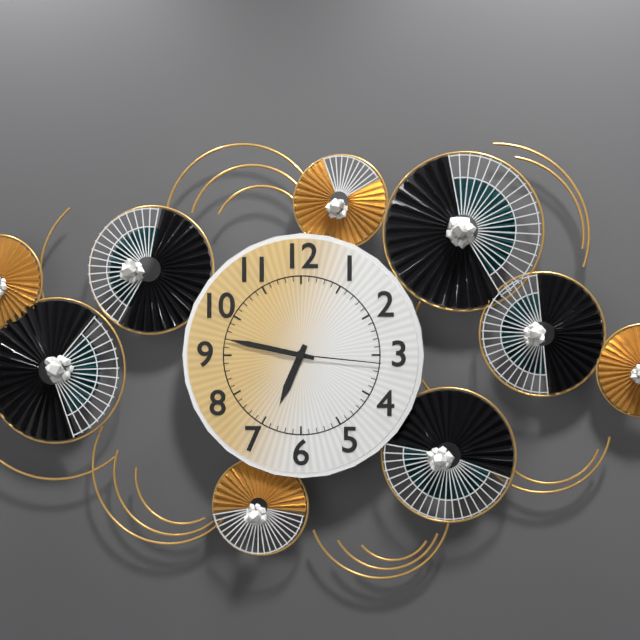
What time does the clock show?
6:47:16
